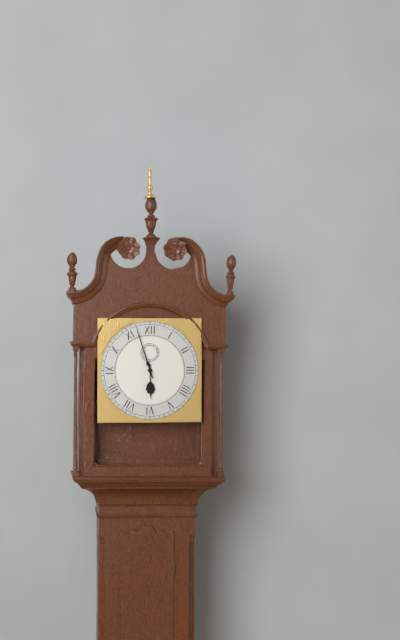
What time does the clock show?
5:57
